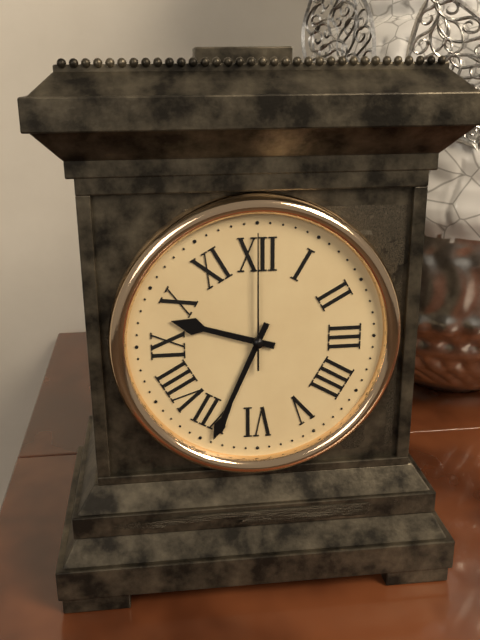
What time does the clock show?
9:34:00
